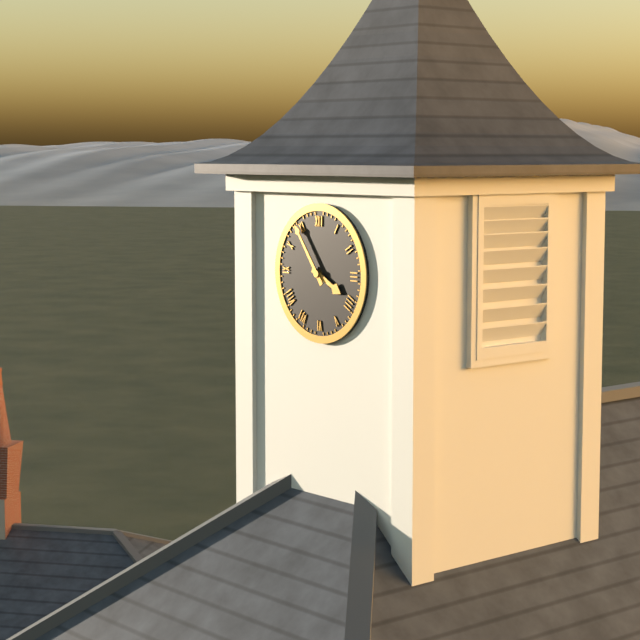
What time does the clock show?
3:54
